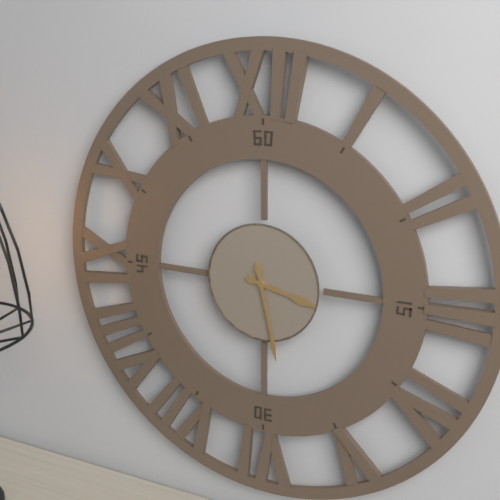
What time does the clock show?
3:28
